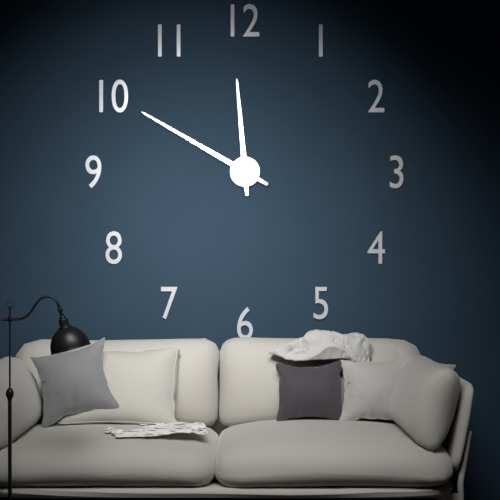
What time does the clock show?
11:50
